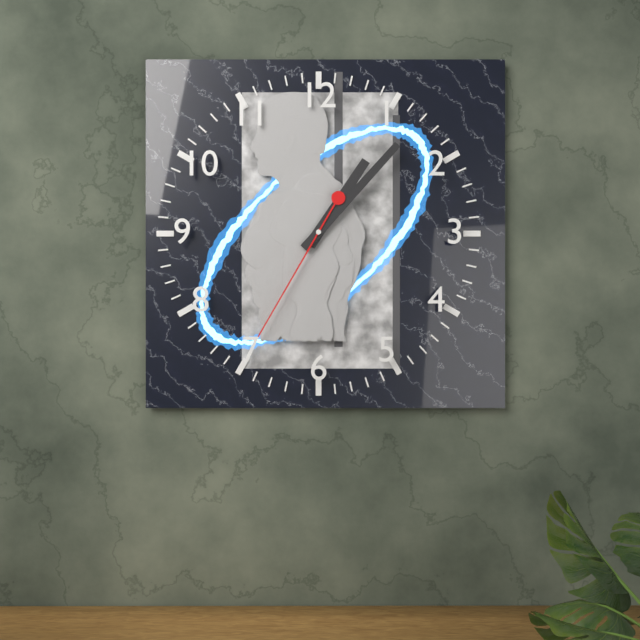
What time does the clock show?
1:07:35
